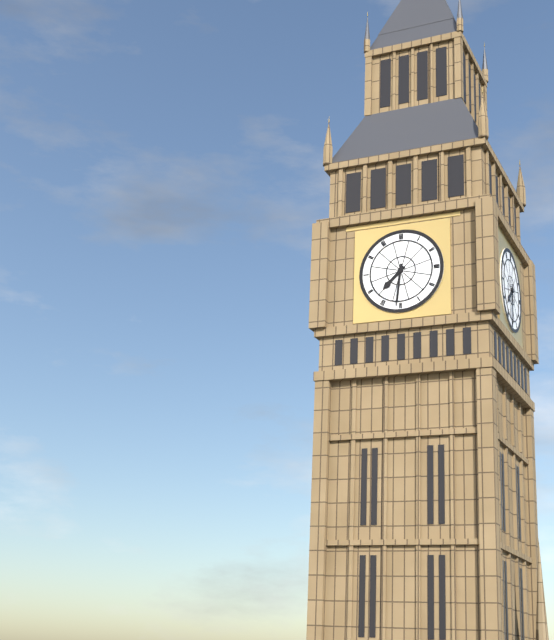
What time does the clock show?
7:31
